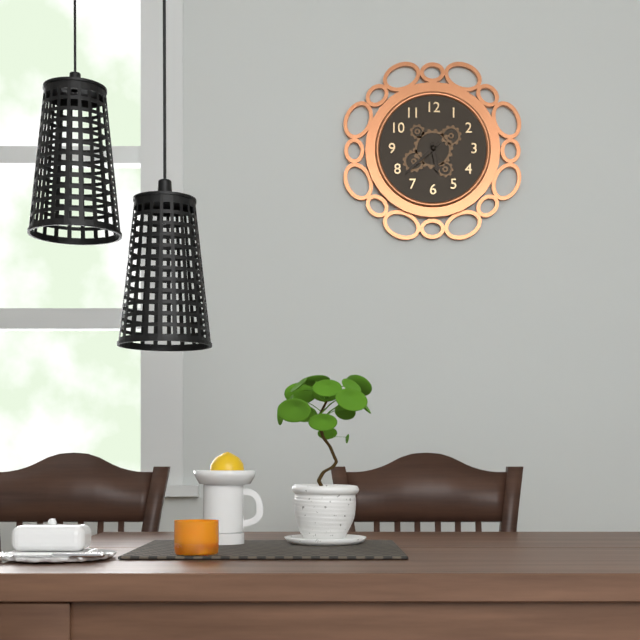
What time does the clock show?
5:38
